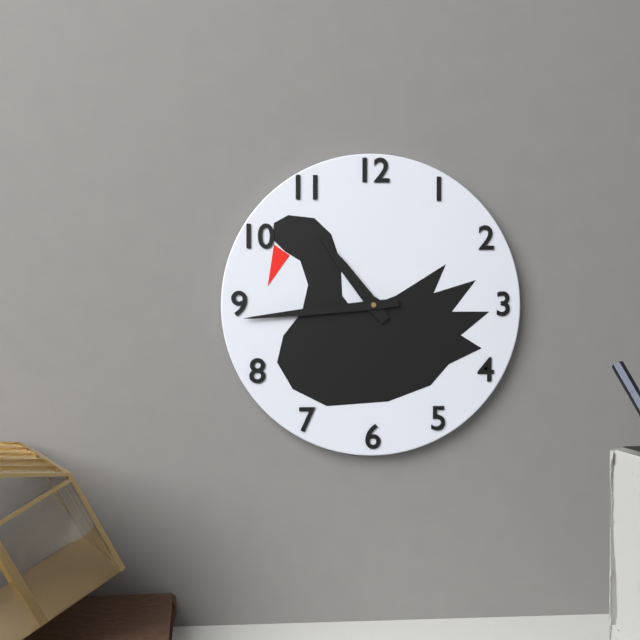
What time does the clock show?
10:44
